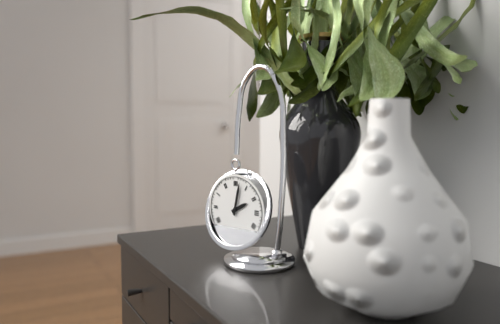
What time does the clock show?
2:02
